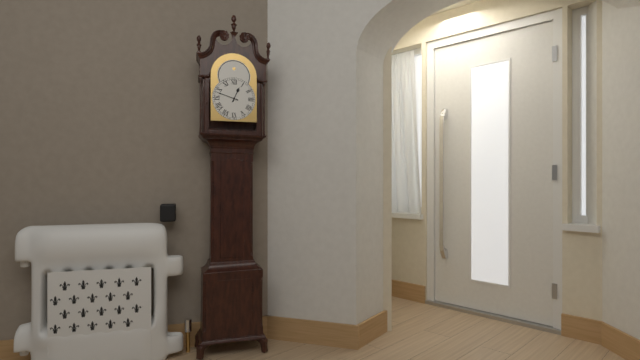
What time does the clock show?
12:48
